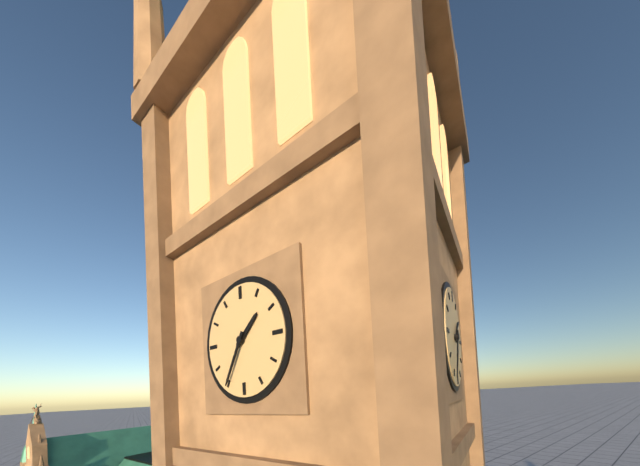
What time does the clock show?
1:35
